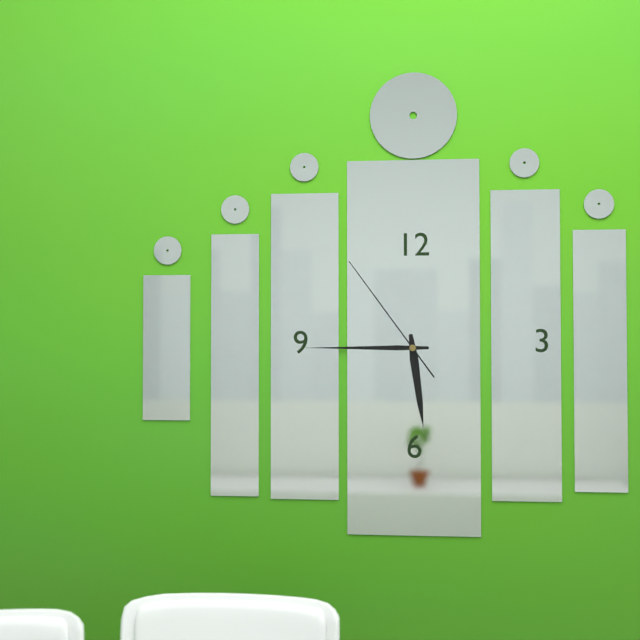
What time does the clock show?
5:45:54
